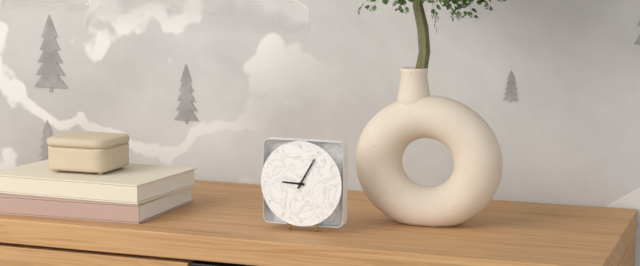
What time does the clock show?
9:05
